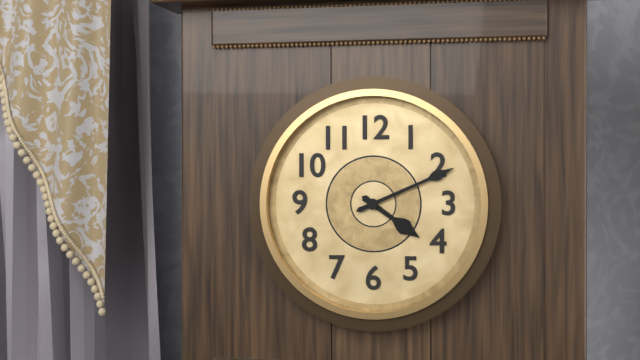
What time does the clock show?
4:11
